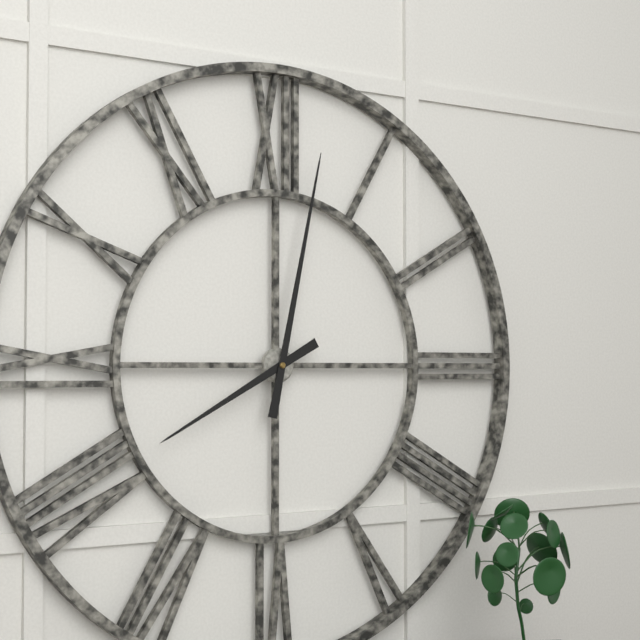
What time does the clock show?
8:02
